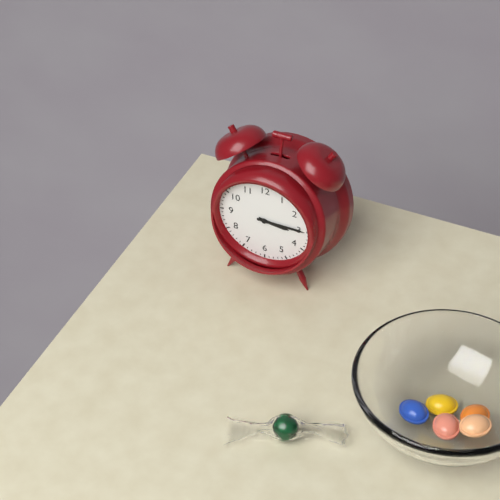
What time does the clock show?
3:15
